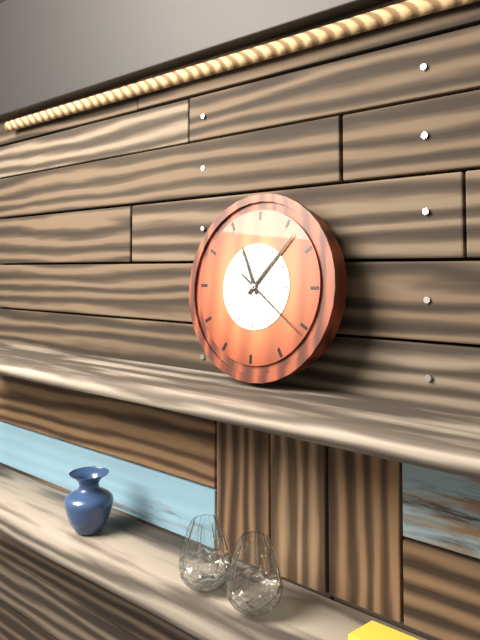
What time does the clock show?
11:07:21
